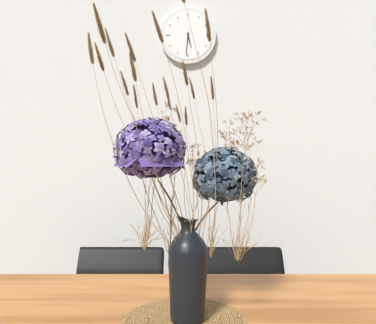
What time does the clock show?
5:31
